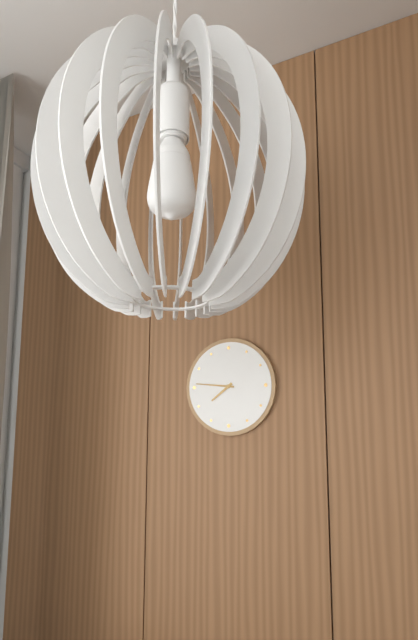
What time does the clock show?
7:46
